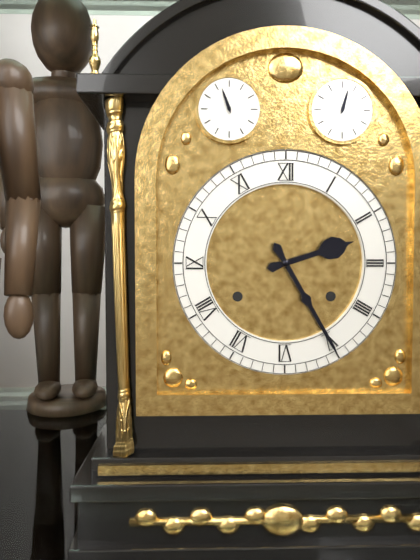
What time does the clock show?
2:25
